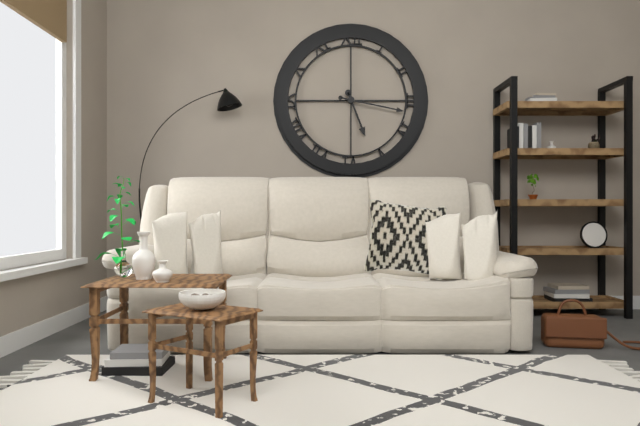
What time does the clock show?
5:17
